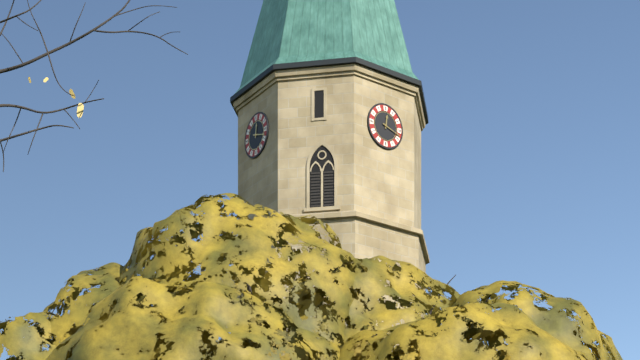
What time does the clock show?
12:18
